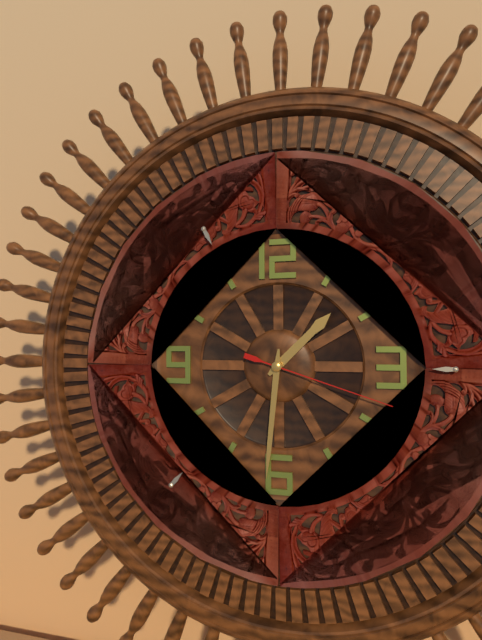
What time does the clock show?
1:31:18
